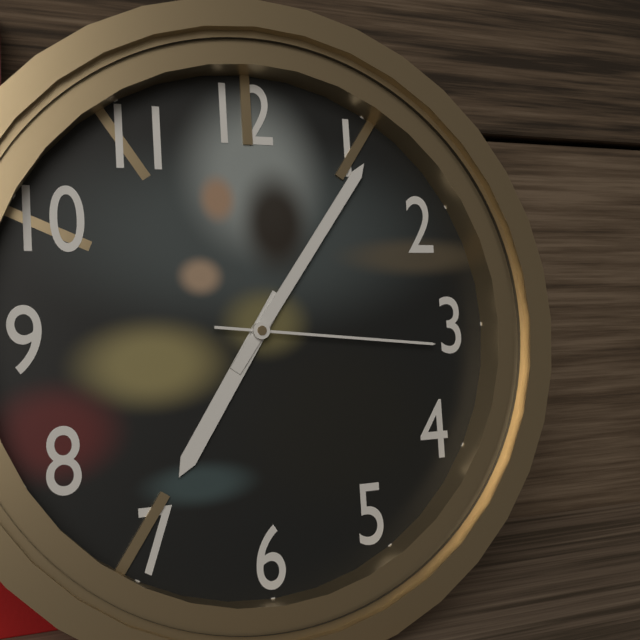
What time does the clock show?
7:06:16
